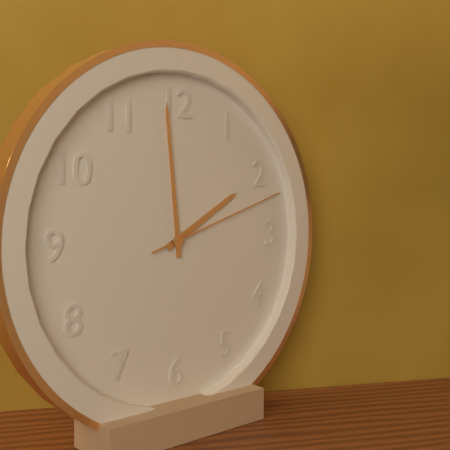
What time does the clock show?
1:59:12
